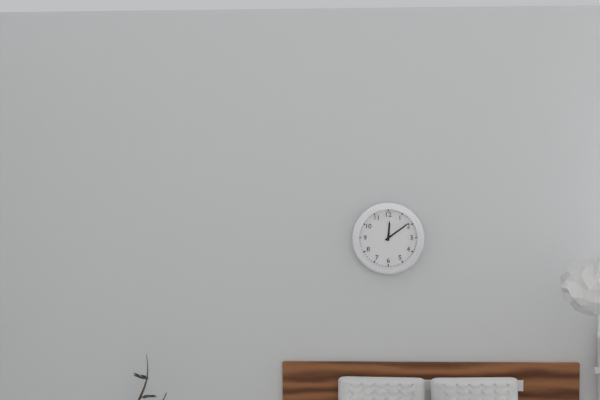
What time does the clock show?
12:09
